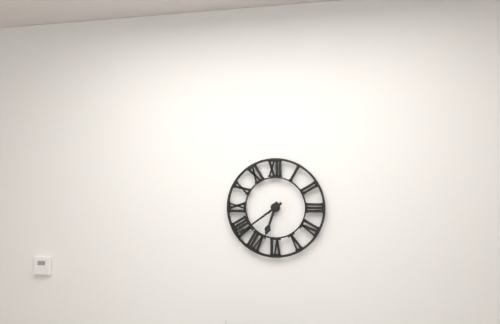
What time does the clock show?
6:39
